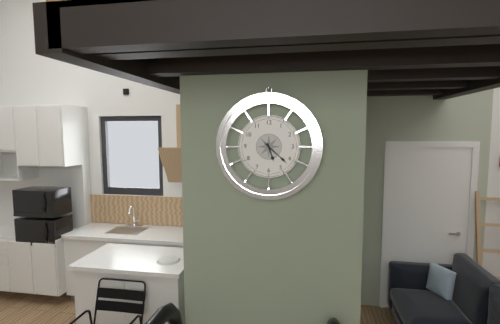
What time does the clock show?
5:22
